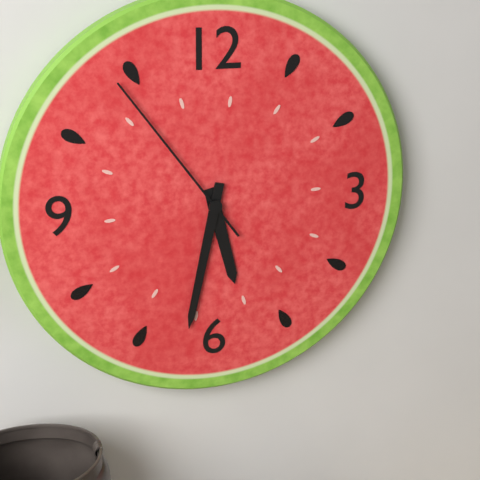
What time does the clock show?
5:32:54
